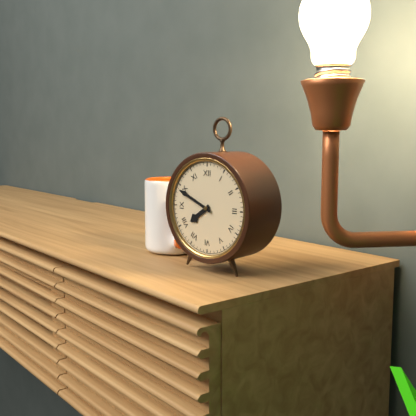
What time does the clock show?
7:49
